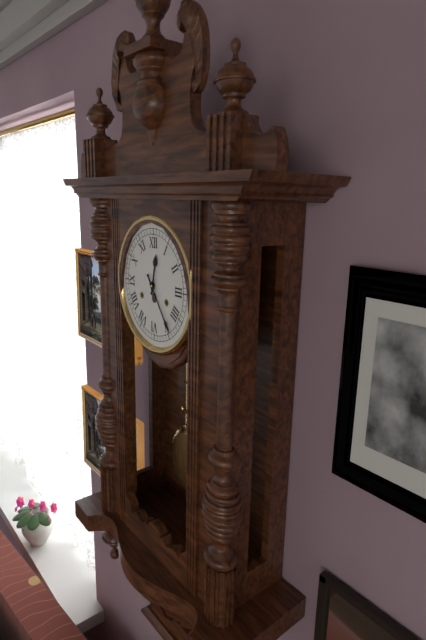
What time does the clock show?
12:24
